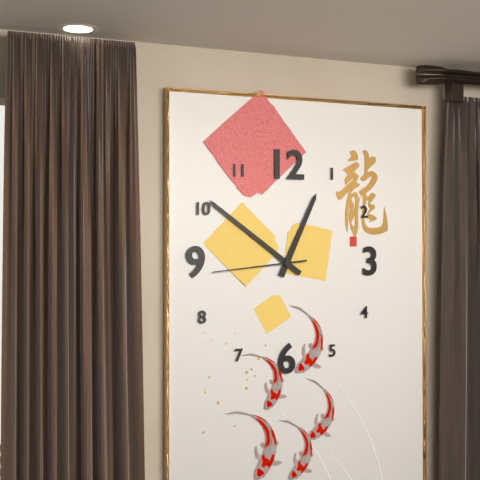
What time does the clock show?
12:51:44
